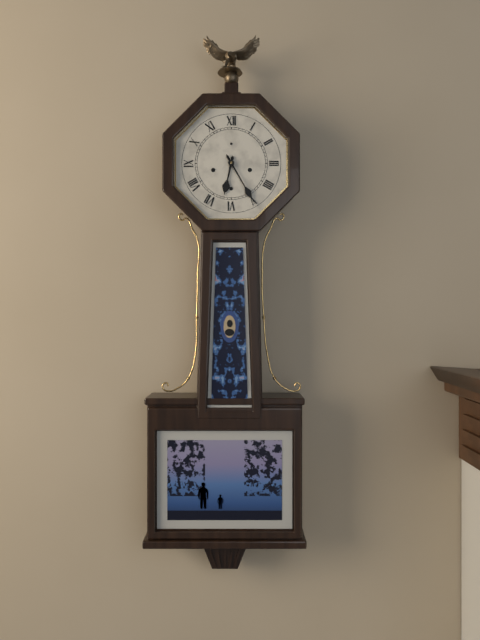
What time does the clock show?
6:25
